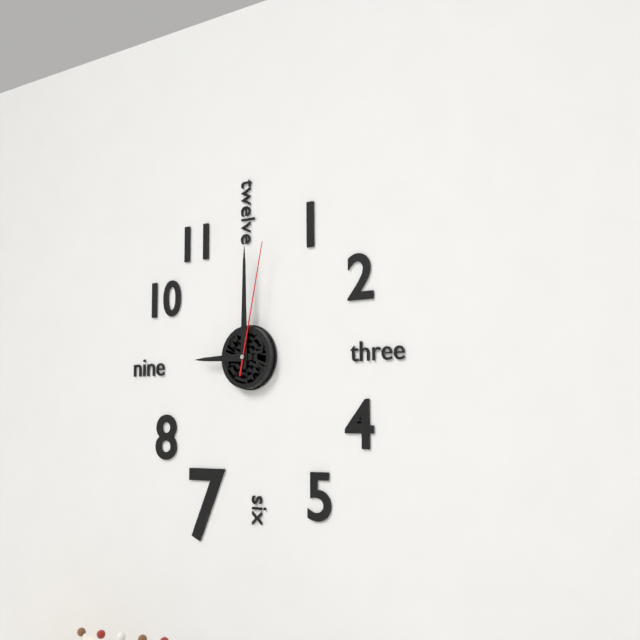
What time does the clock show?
9:00:02
